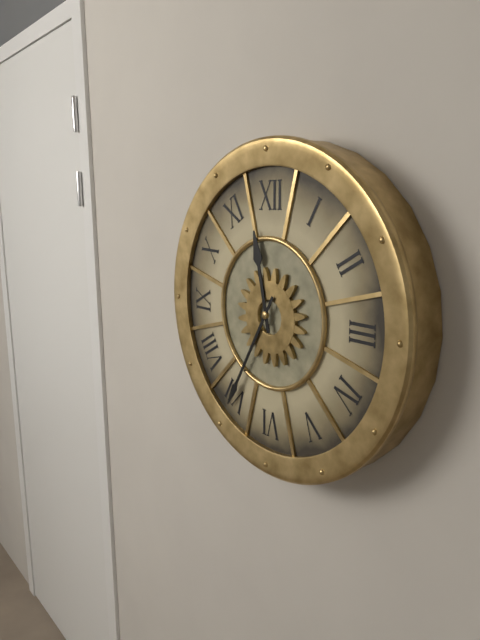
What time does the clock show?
11:35
